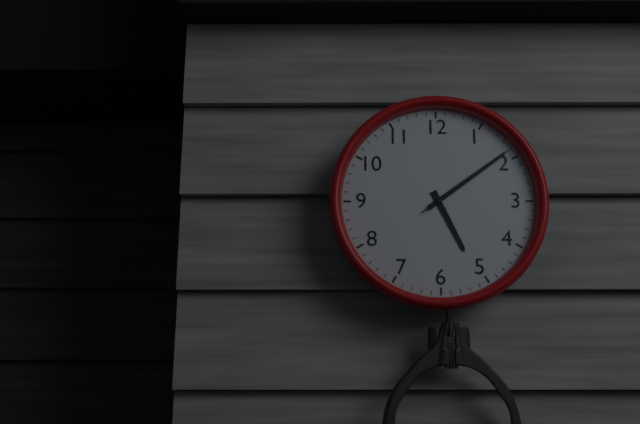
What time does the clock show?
5:09:09
